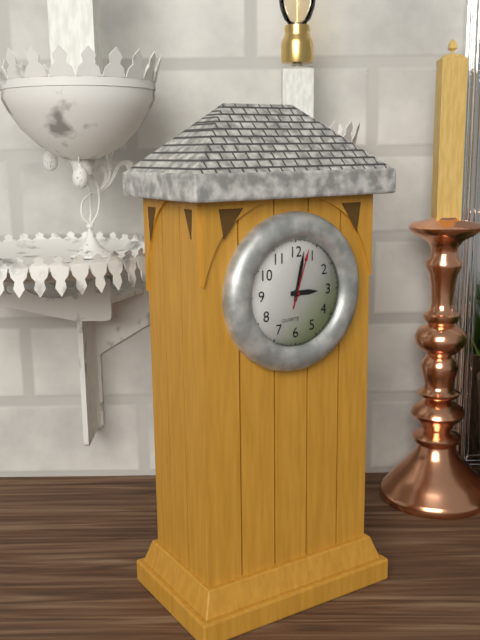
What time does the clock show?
3:02:03
